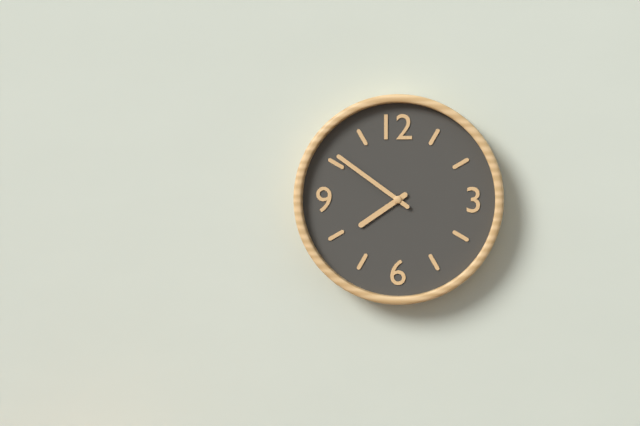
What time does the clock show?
7:51
